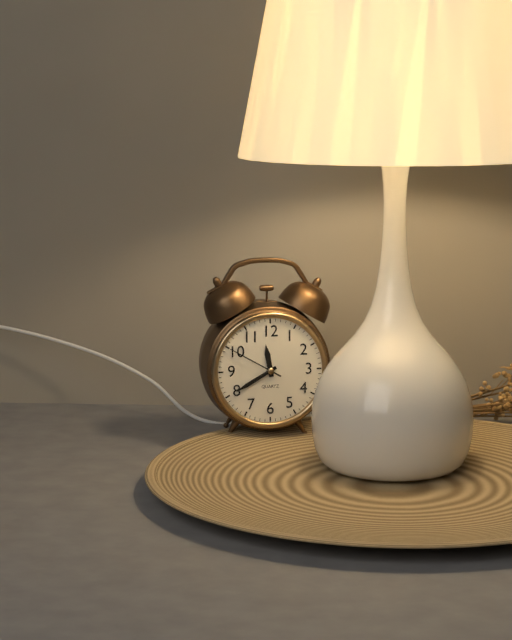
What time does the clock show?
11:40:50
